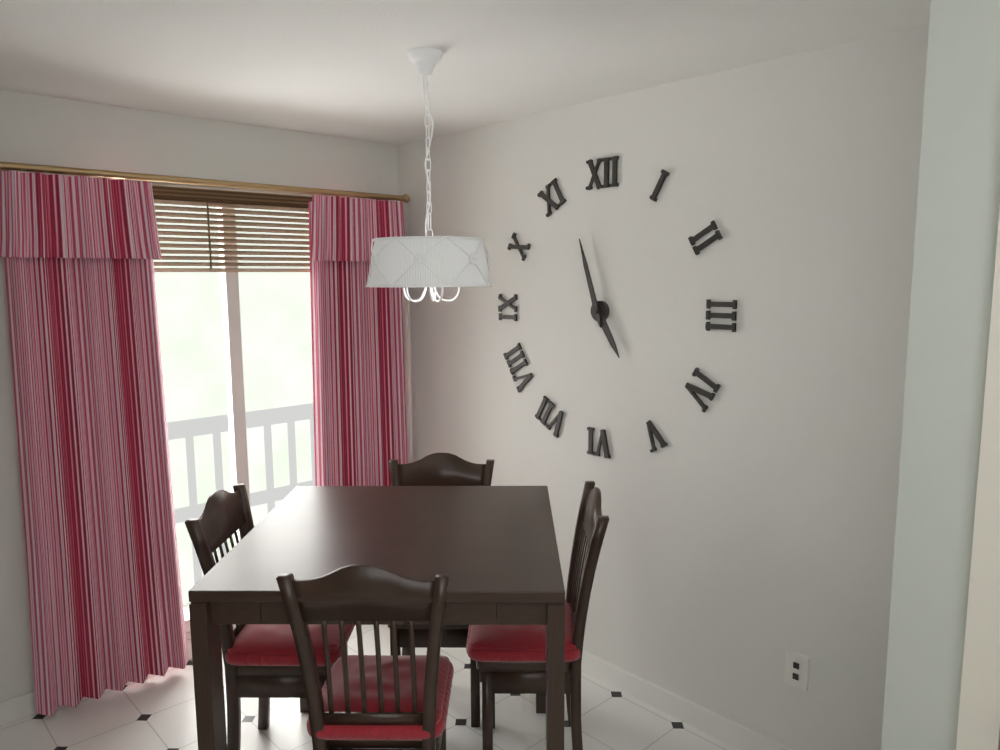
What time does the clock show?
4:57
